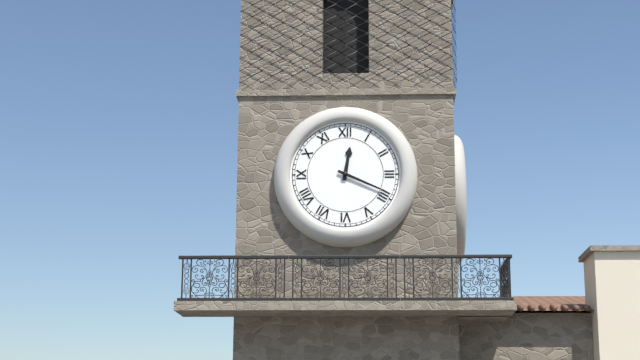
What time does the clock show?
12:19
